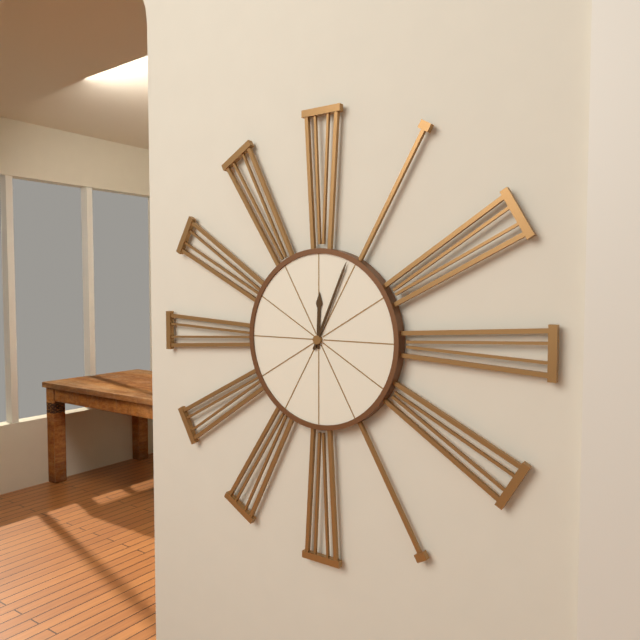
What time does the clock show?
12:04
